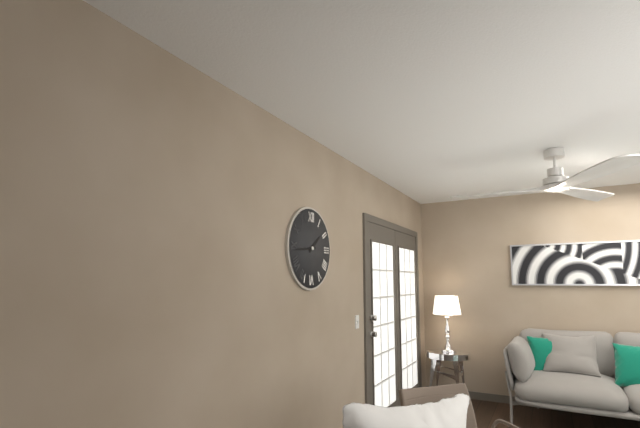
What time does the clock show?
1:44
